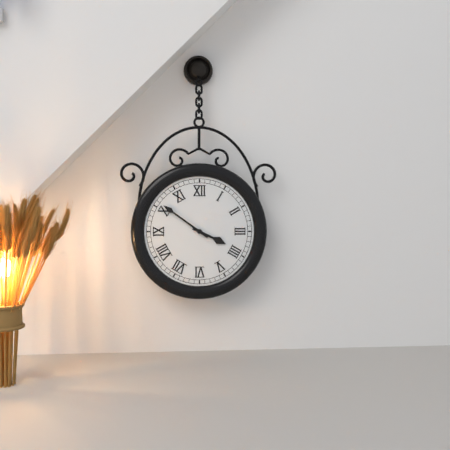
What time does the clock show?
3:51
